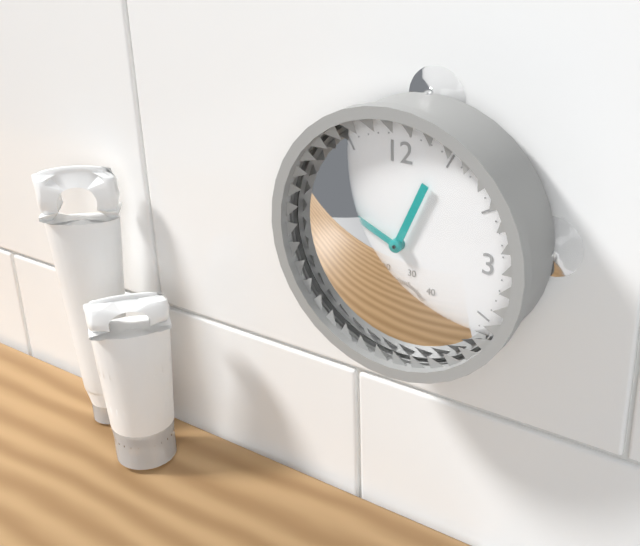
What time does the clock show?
12:49
